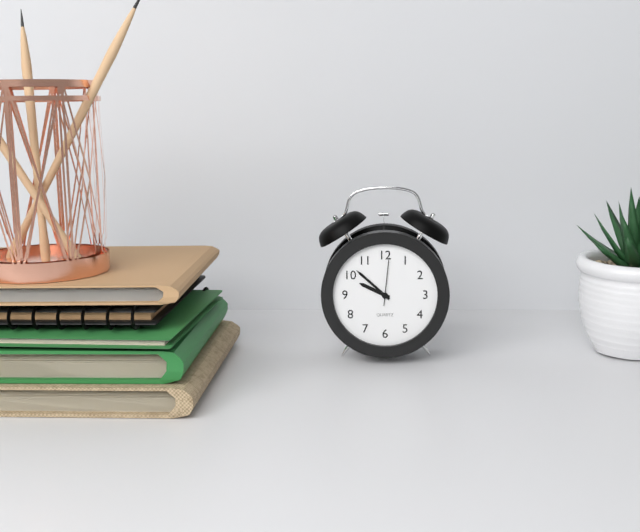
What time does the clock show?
9:52
